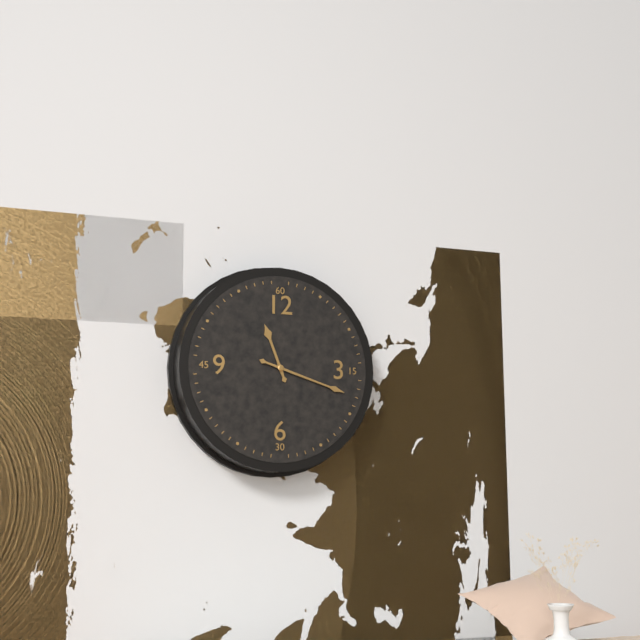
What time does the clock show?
11:18
